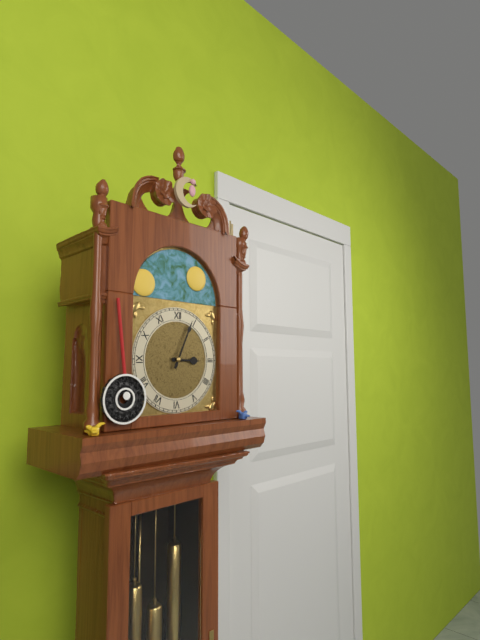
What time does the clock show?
3:04
